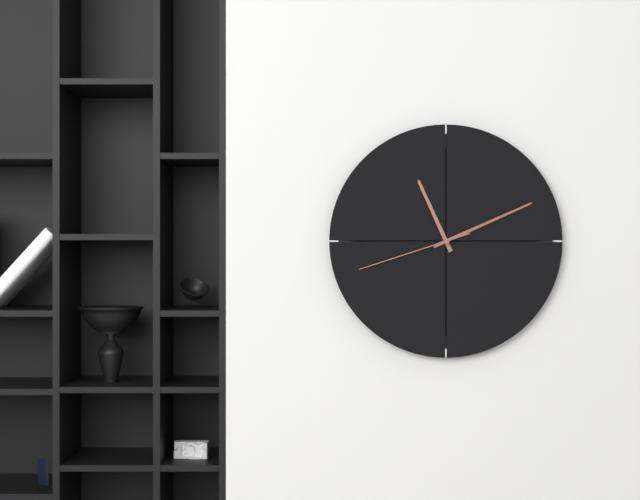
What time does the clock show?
11:11:42
